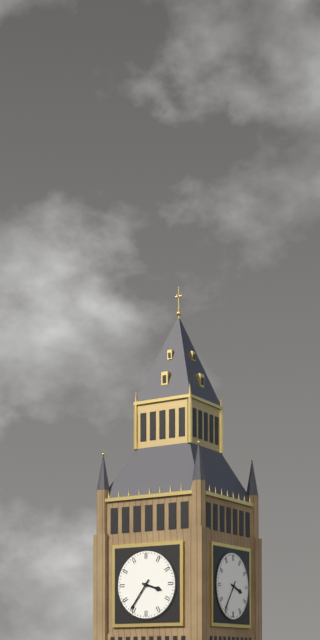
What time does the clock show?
3:36
